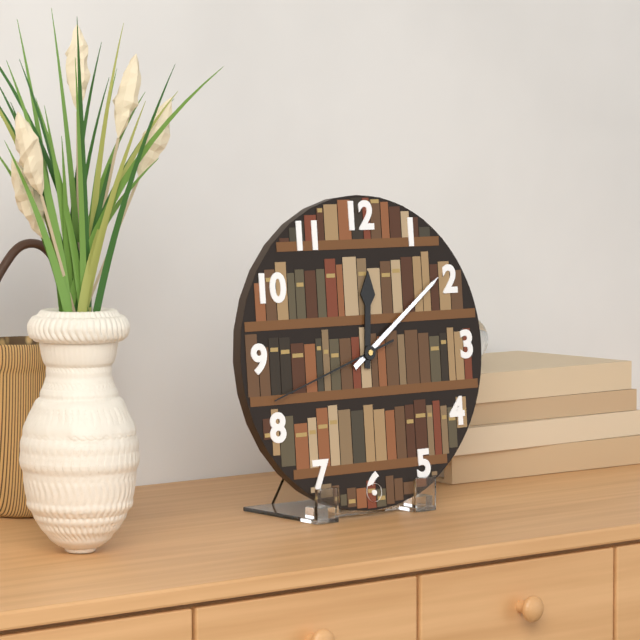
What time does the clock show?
12:09:42
